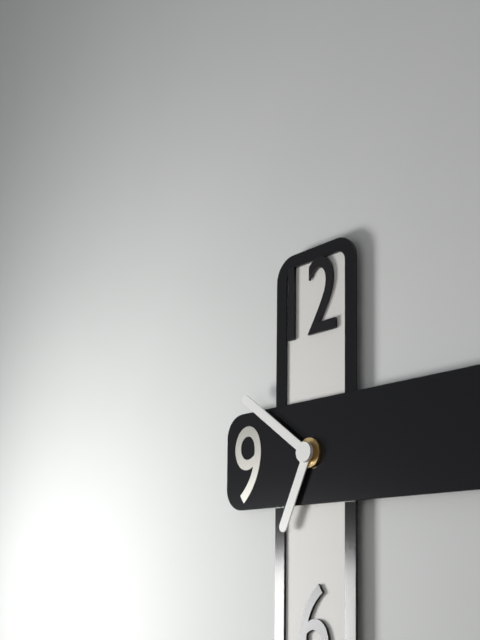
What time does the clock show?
6:51
